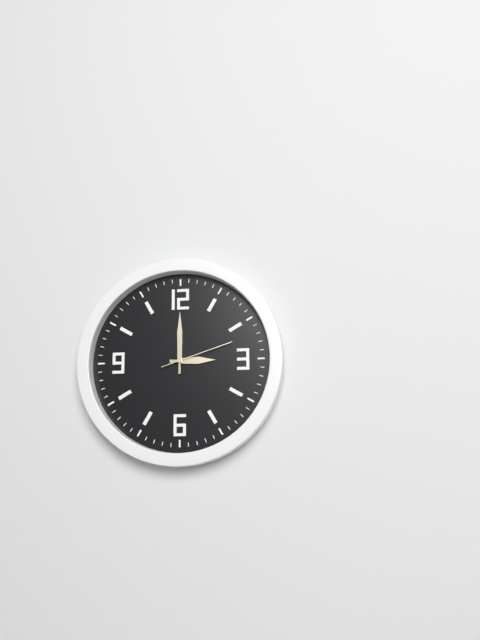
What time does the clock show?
3:00:12
